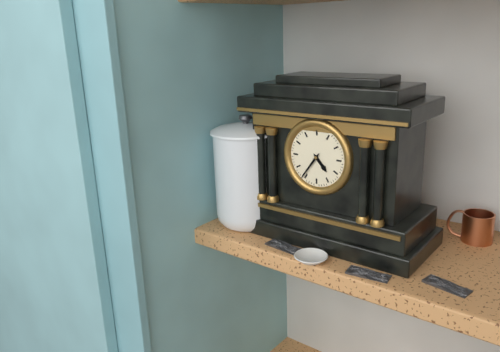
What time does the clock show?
4:36
